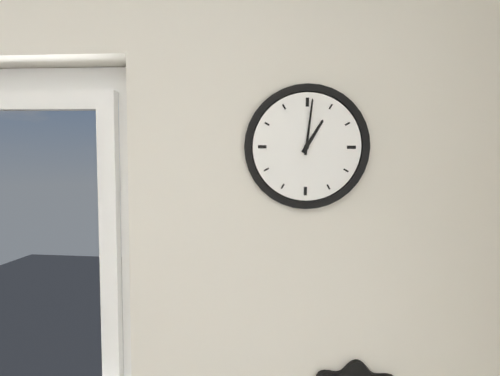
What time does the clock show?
1:01
